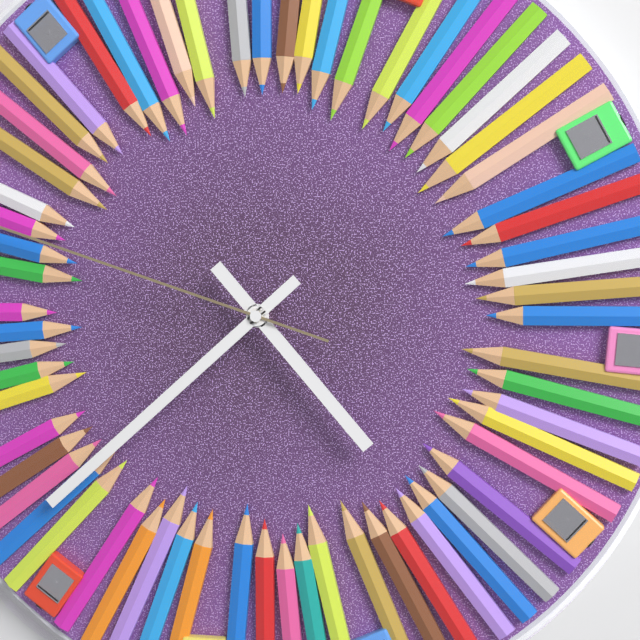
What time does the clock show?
4:38
